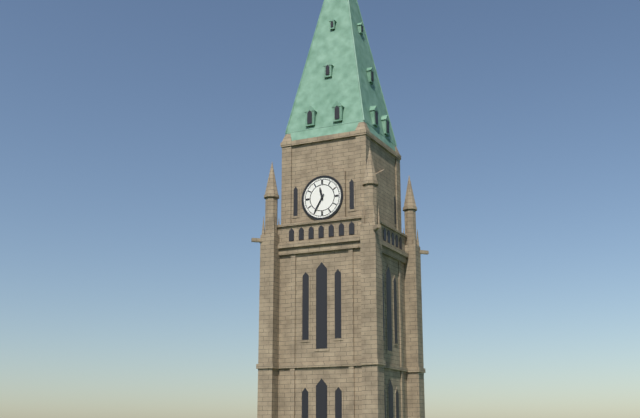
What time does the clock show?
11:35
